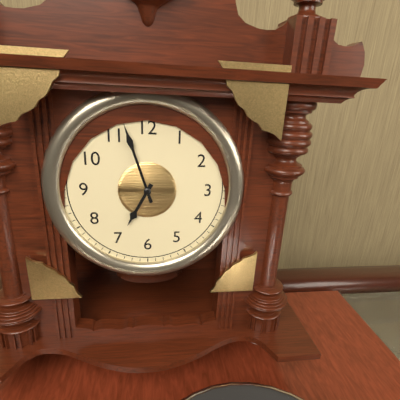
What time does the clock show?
6:57
